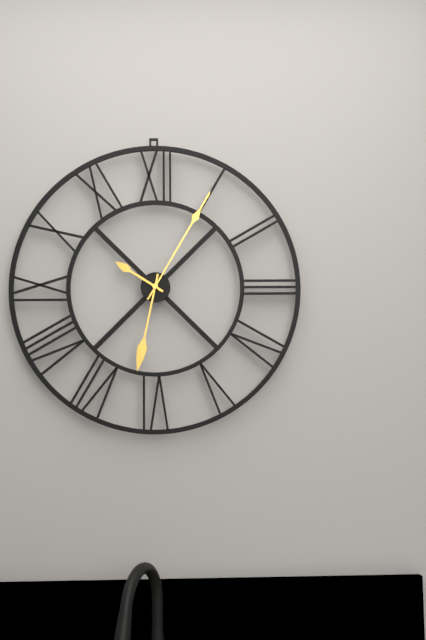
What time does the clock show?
10:05:32
